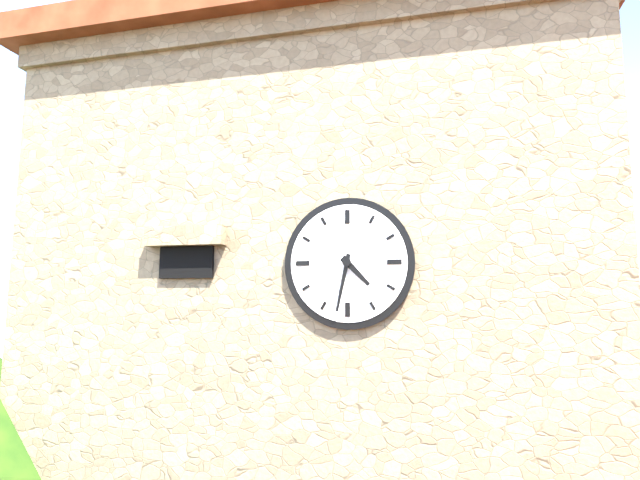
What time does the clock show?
4:32
